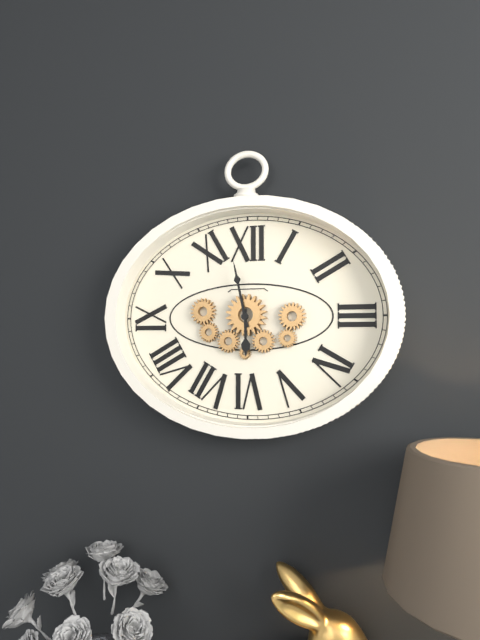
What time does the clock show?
5:58
